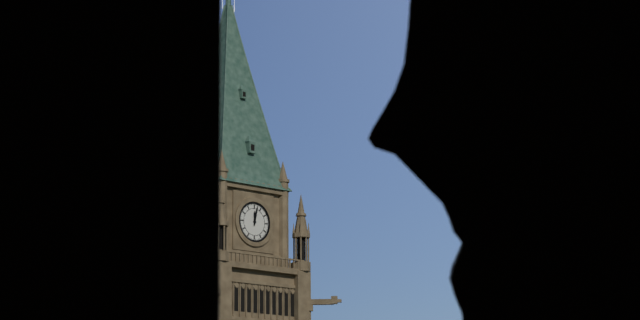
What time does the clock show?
12:02
